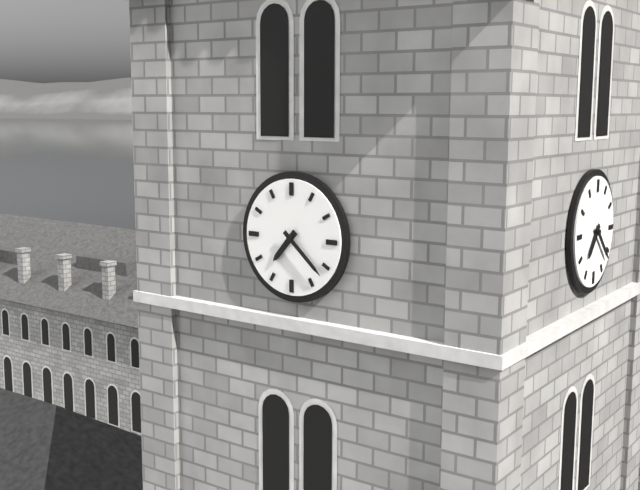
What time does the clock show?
7:22
